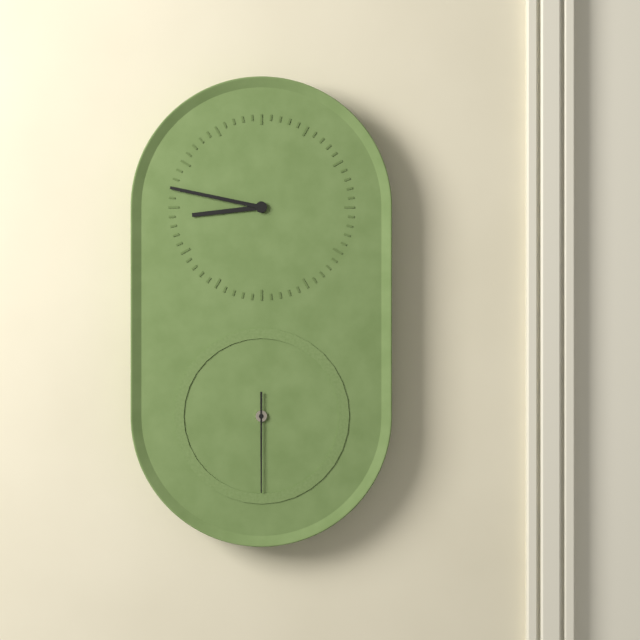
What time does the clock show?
8:47:30
